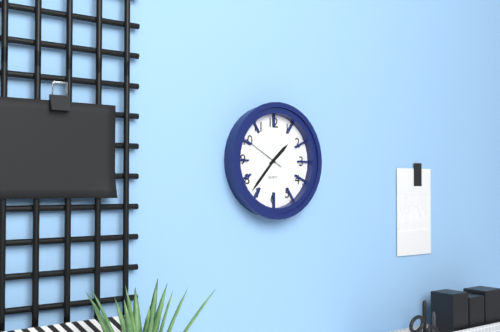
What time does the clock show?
1:37
